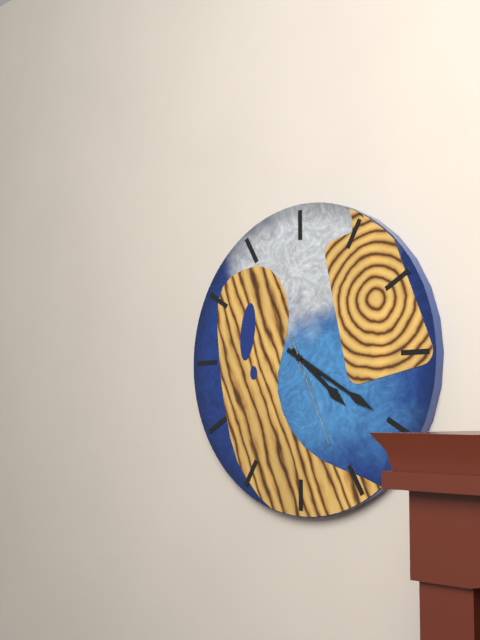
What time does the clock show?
4:20:26
